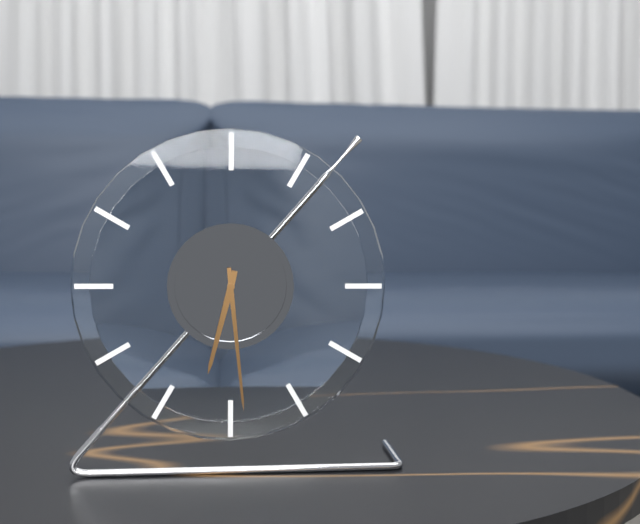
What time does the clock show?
6:29
